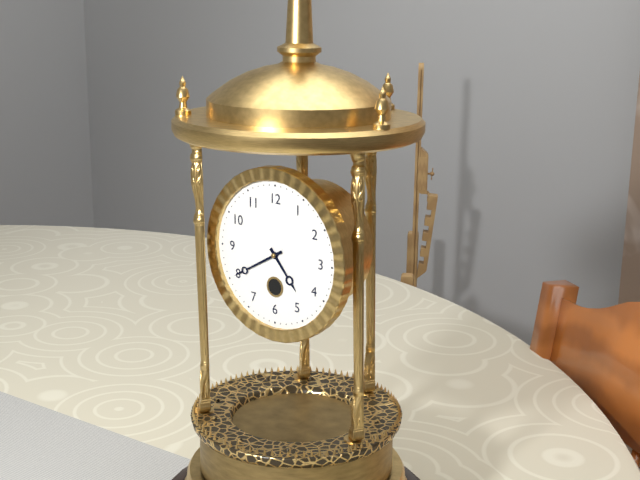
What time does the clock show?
4:40
